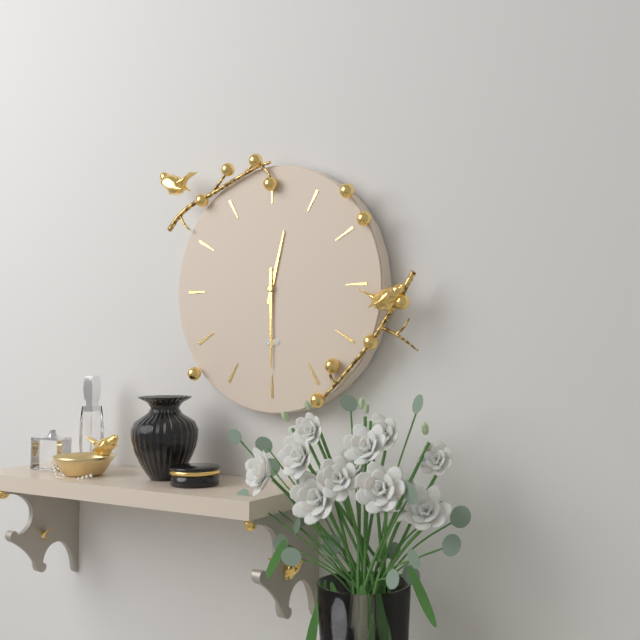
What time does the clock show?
12:30
